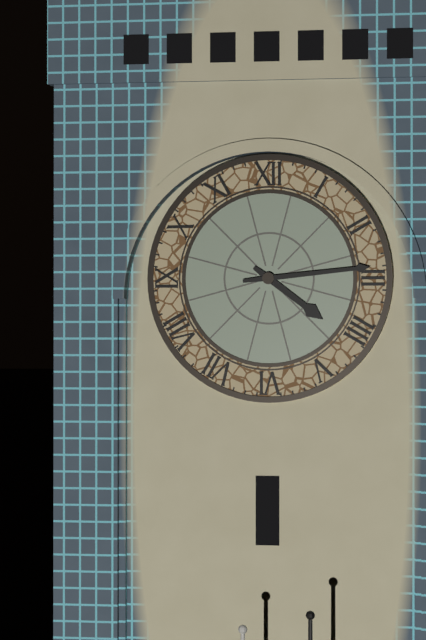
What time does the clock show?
4:14
